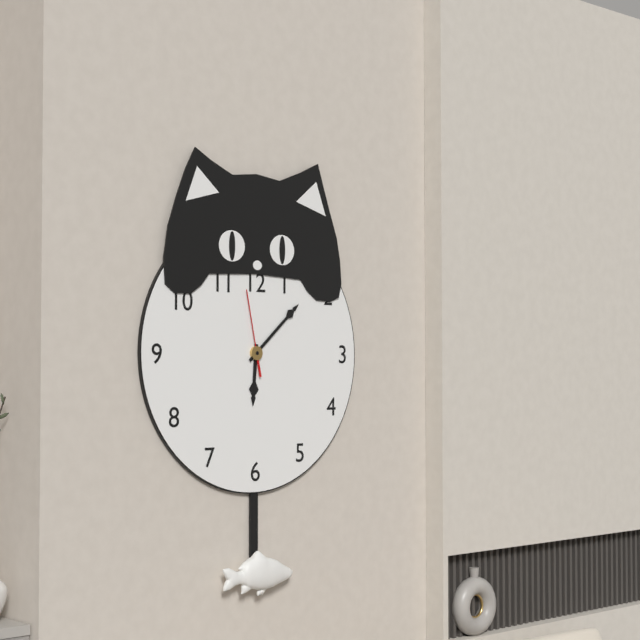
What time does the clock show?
6:08:58
